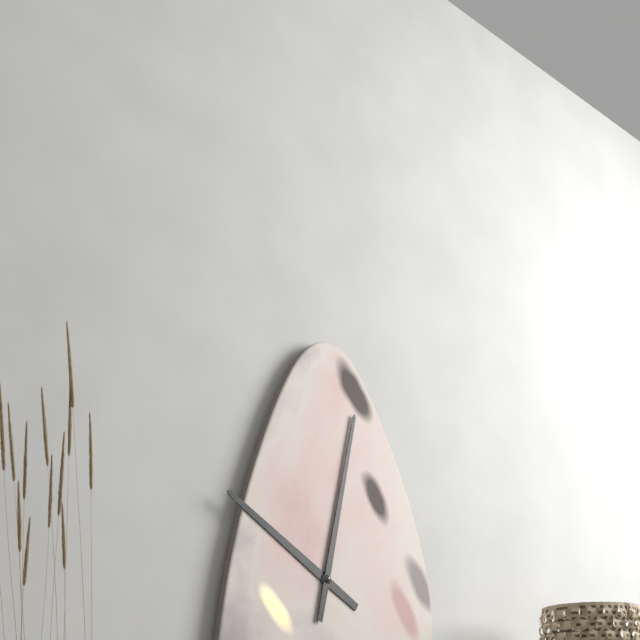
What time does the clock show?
10:02
